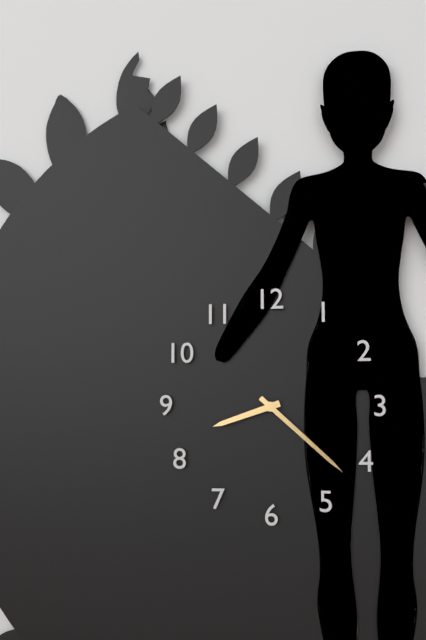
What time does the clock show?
8:22
